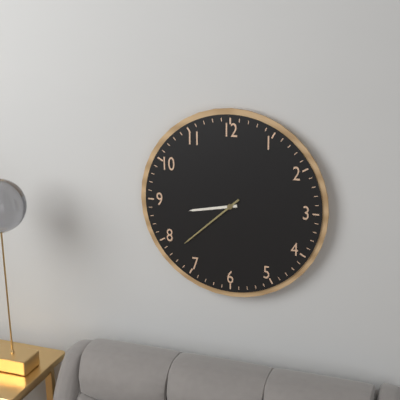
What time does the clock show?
8:38
